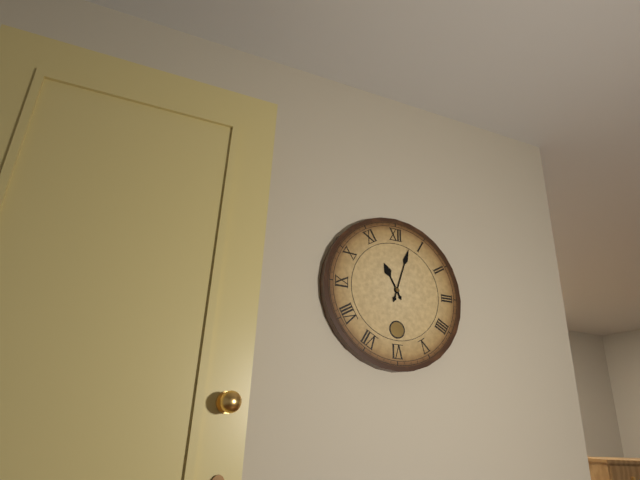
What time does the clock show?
11:03
